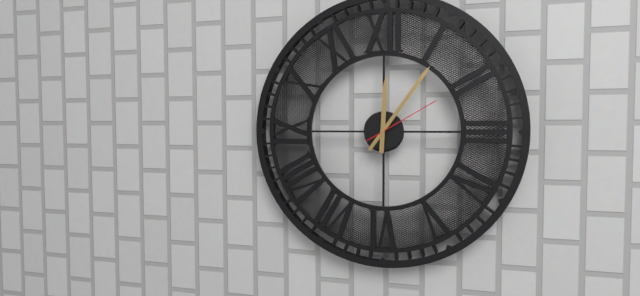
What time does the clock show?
12:06:10
